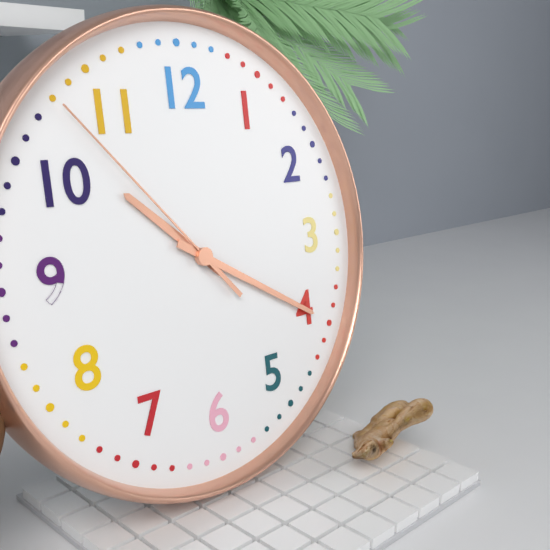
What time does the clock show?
10:20:53
